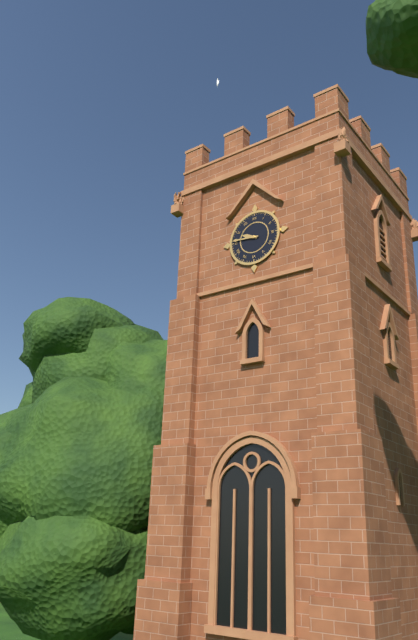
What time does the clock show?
9:46
